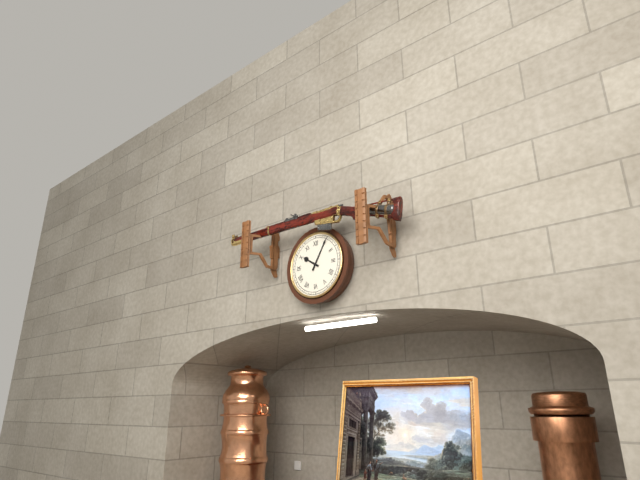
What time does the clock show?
10:05
